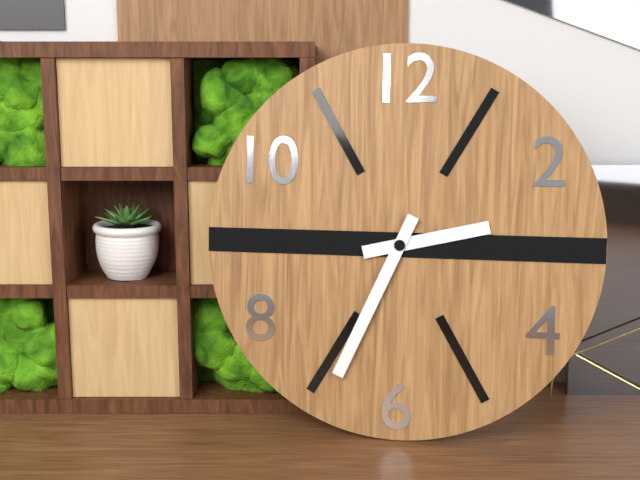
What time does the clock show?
2:34
